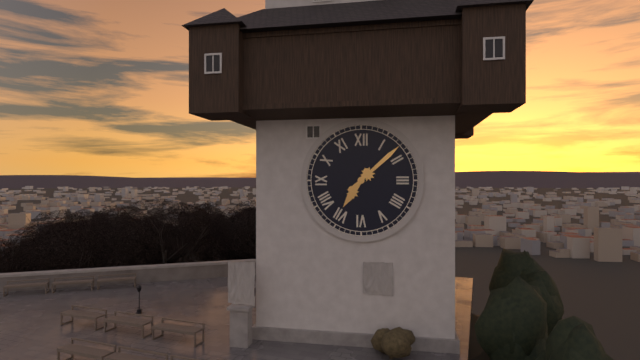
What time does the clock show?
7:08
